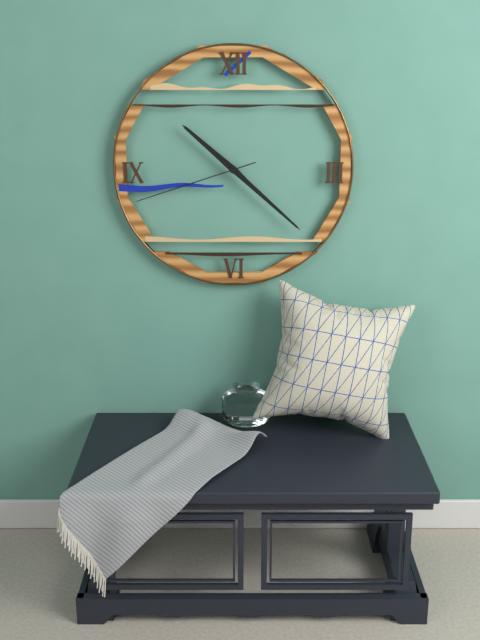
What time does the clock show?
10:22:42
